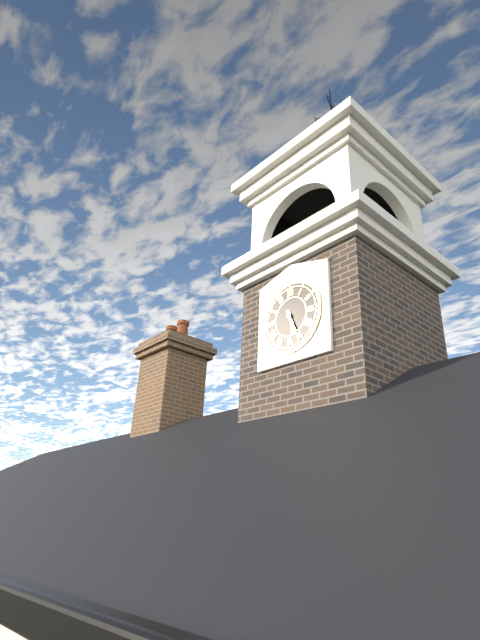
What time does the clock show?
5:26
